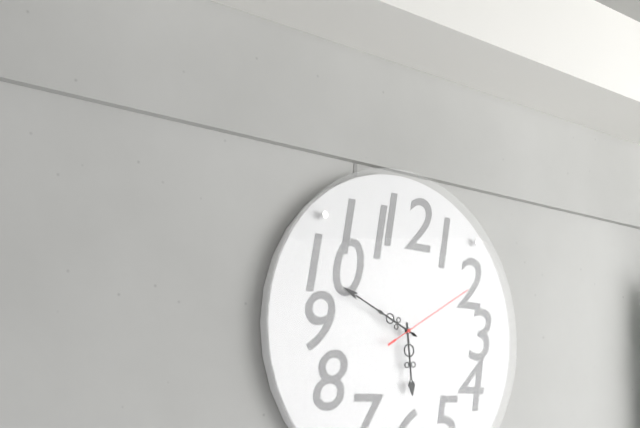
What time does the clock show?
5:49:10
